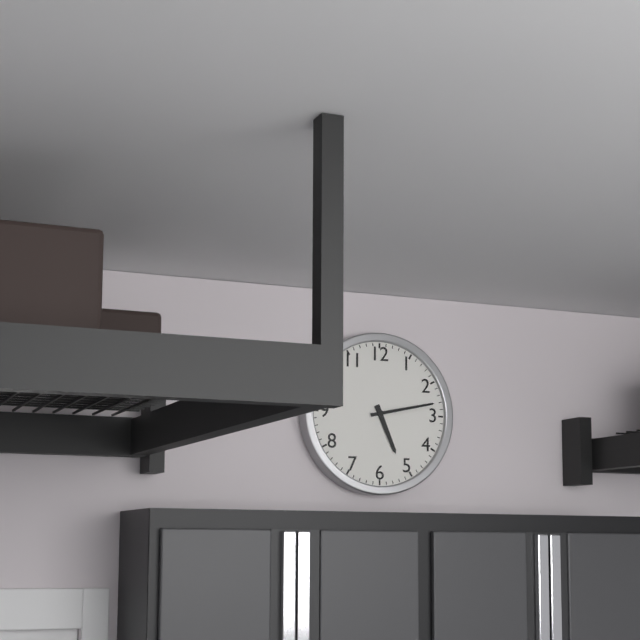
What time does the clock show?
5:13
